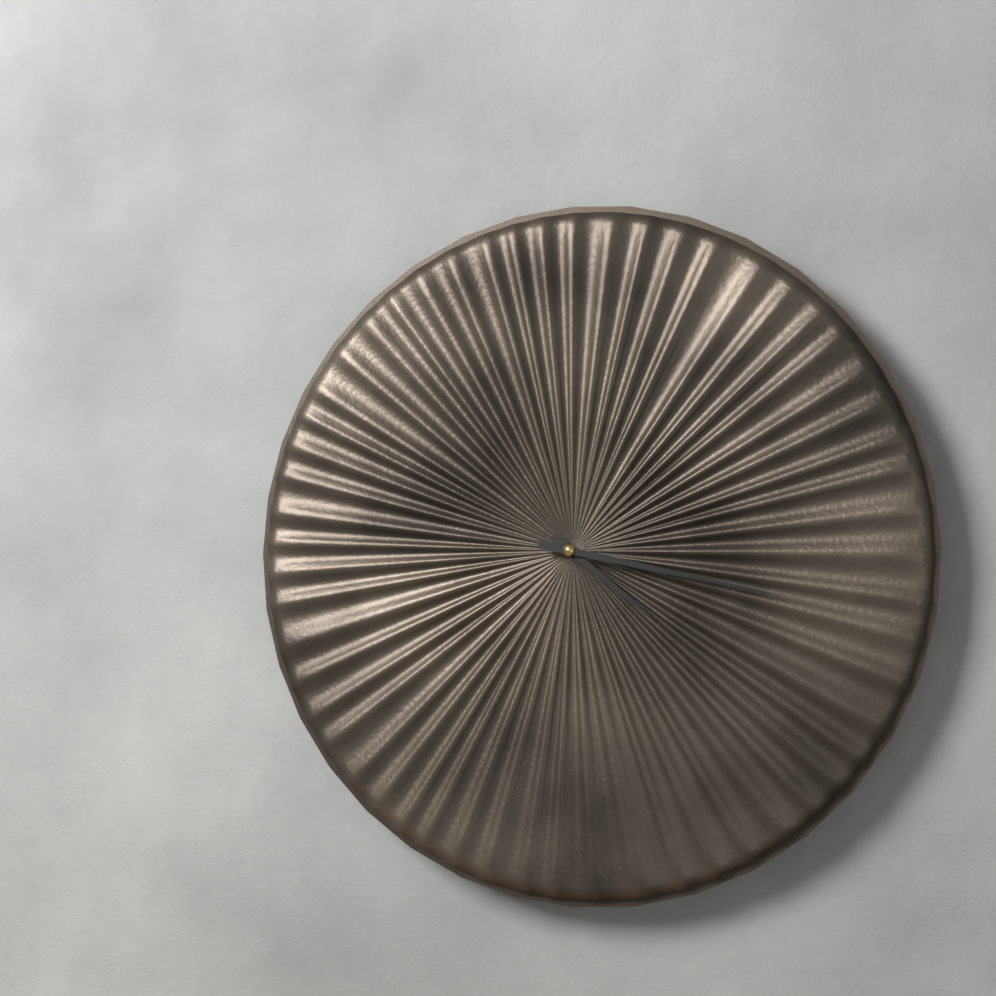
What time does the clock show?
4:17
